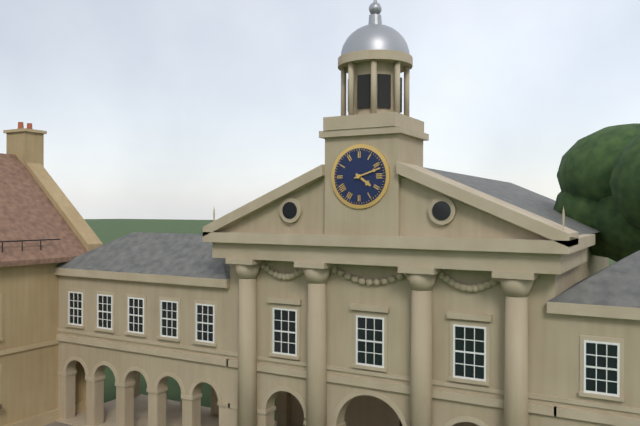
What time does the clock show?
4:12
